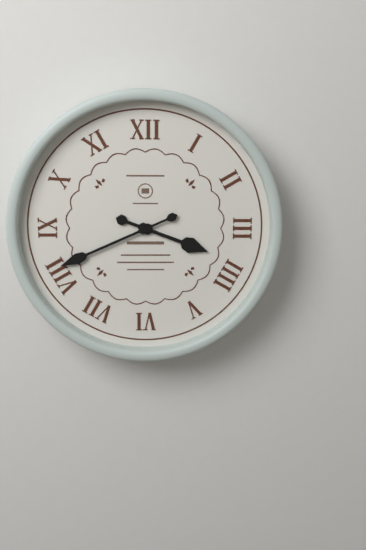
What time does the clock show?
3:41
